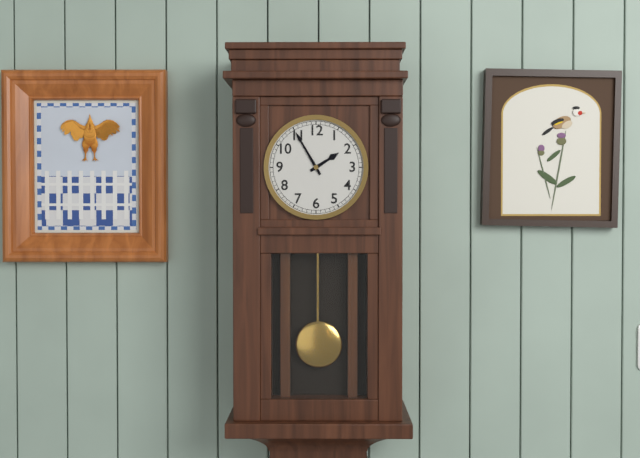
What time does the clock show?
1:55
